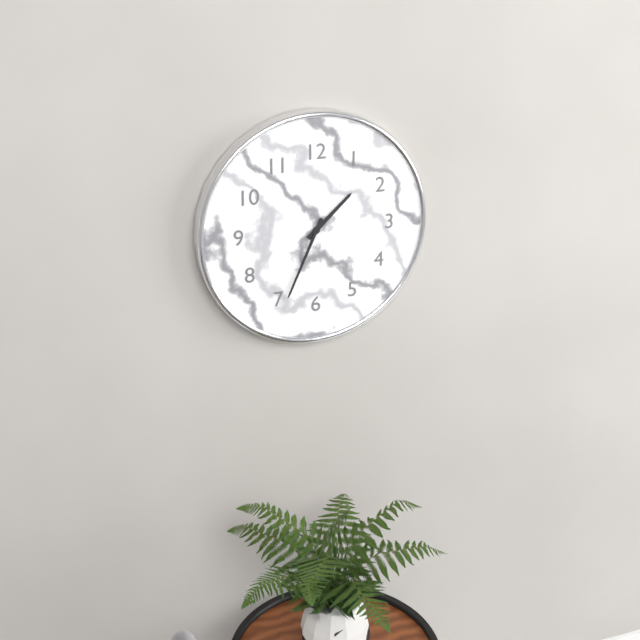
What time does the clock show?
1:34
